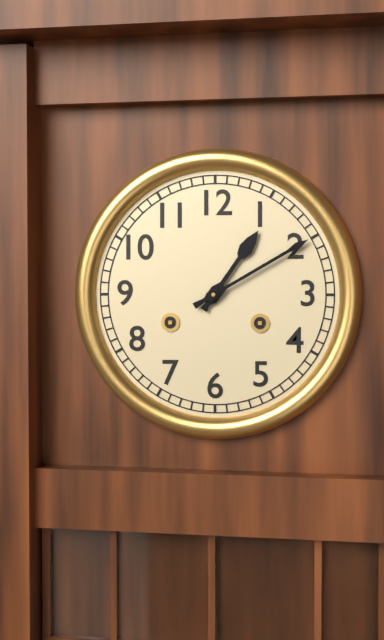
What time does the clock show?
1:10
